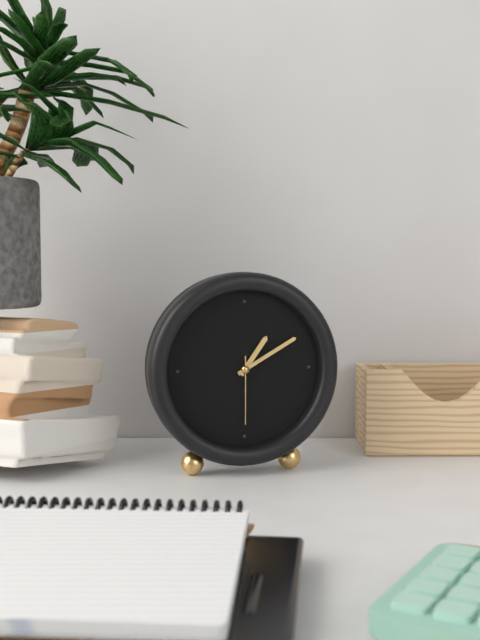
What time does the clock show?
1:10:30
